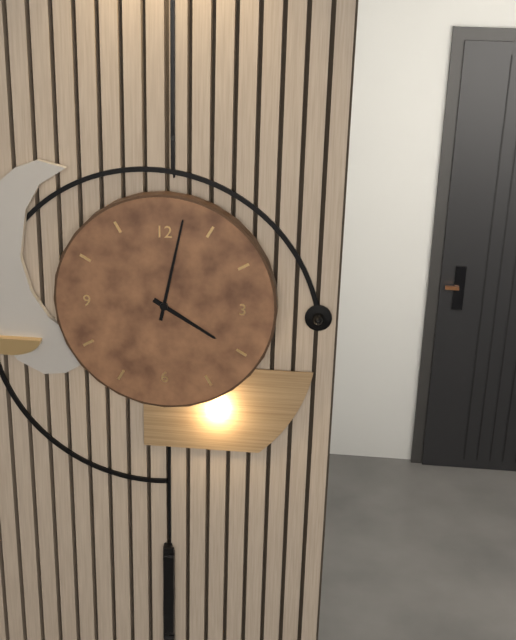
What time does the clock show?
4:02
